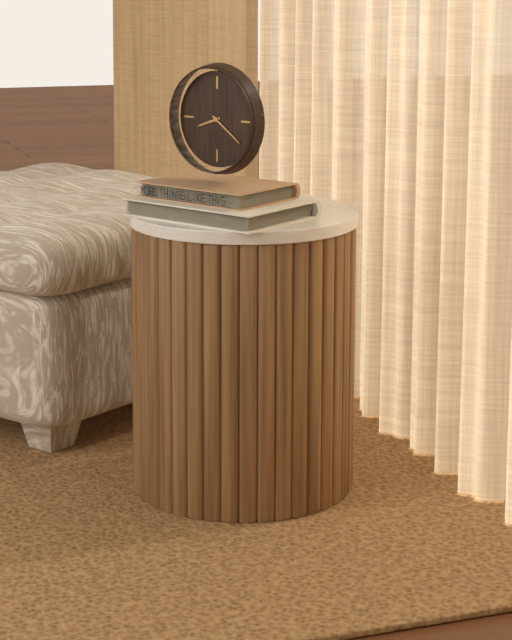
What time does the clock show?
8:21
